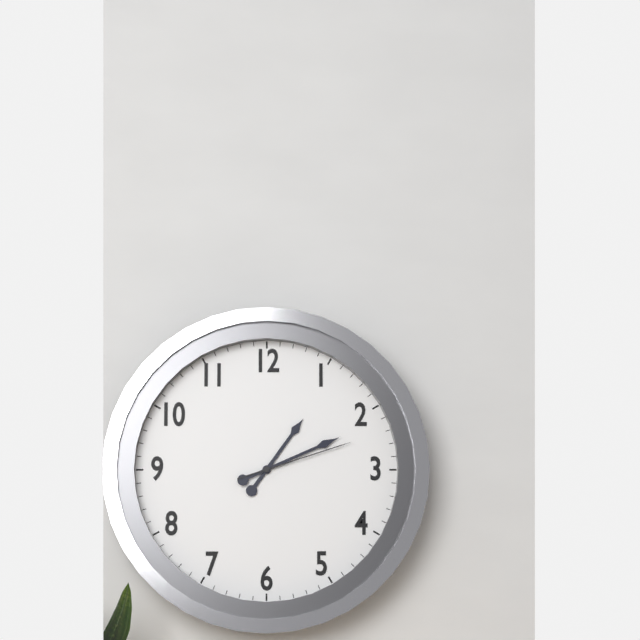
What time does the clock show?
1:11:12
